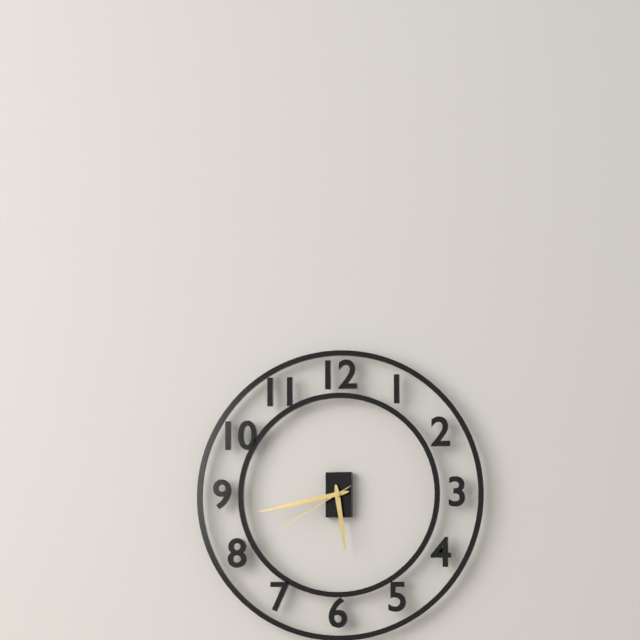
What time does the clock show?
5:43:40
